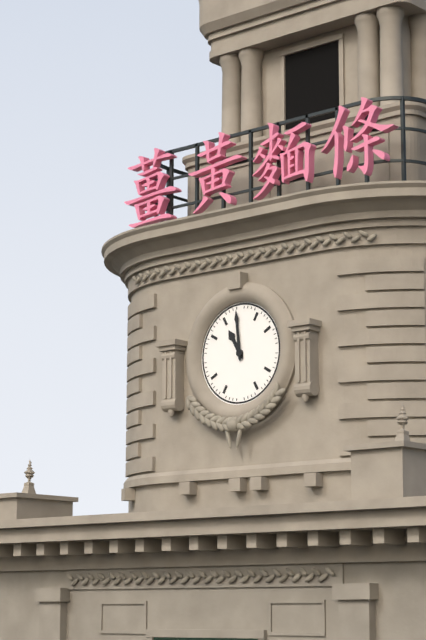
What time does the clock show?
10:59
